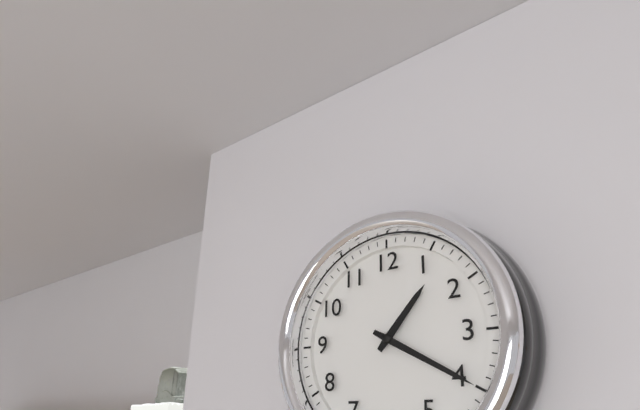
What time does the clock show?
1:20
